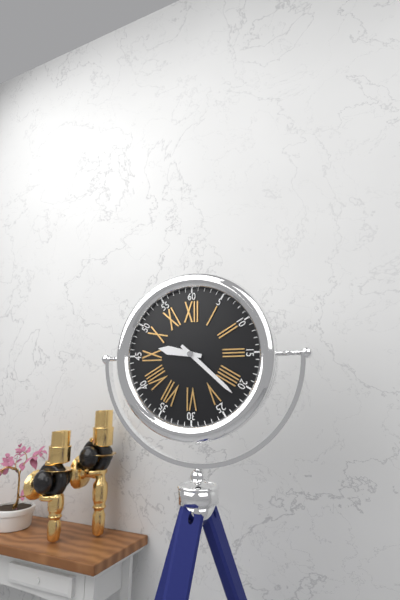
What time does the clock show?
9:22
